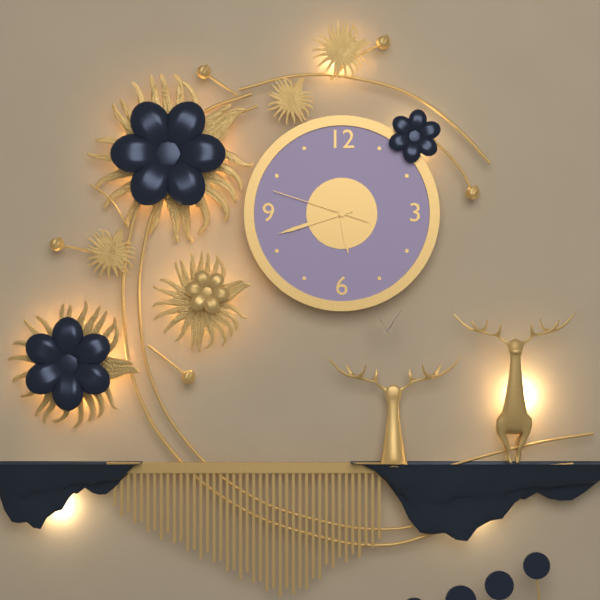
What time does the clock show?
5:42:48
